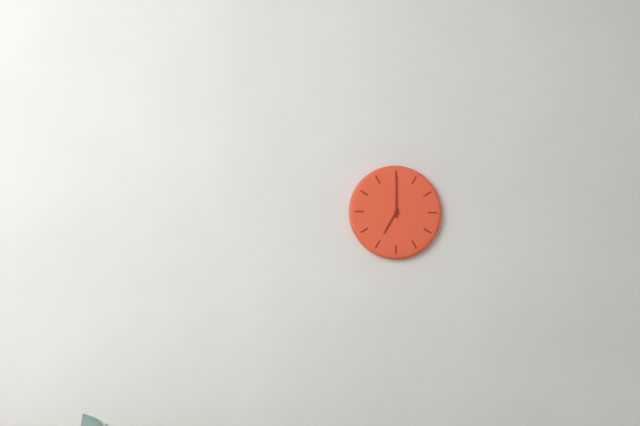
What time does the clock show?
7:00
